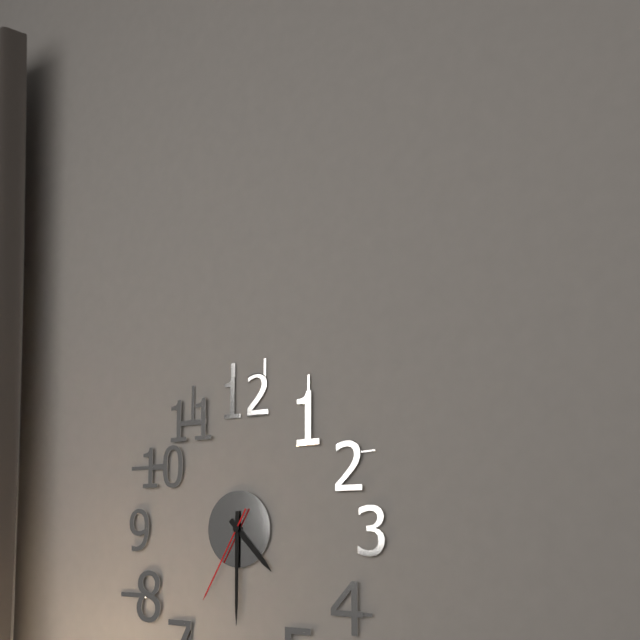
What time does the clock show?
4:30:35
